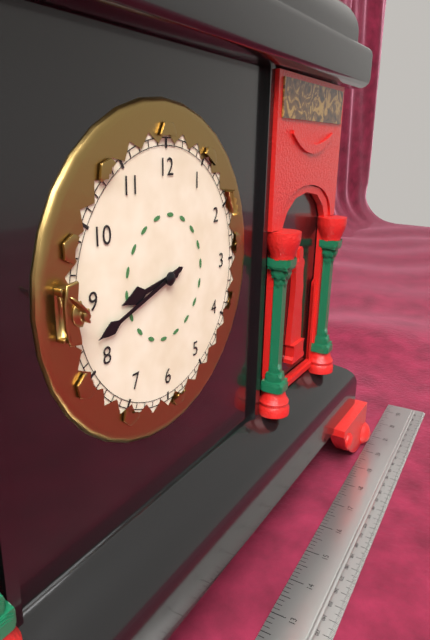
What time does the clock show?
8:42
